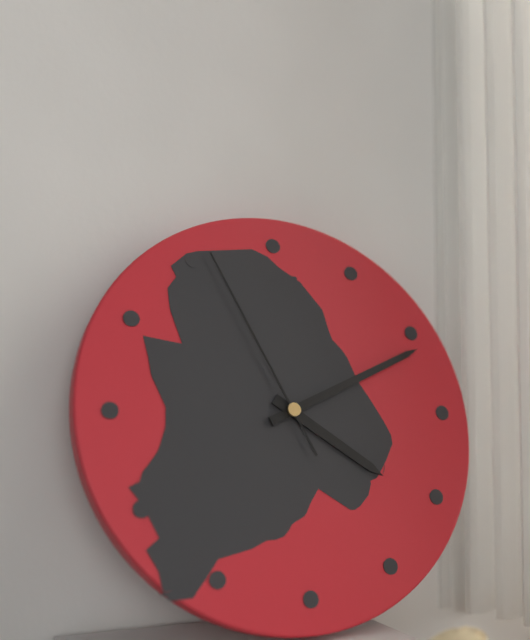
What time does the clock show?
4:11:56
